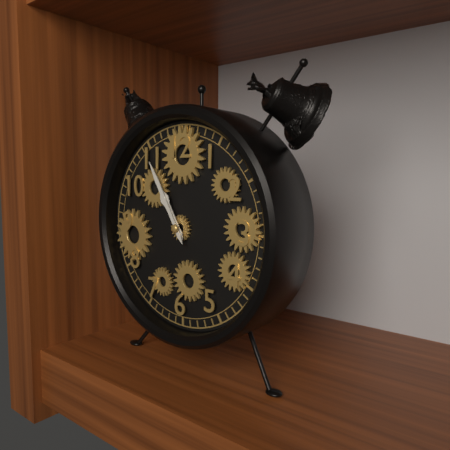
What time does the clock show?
10:55
